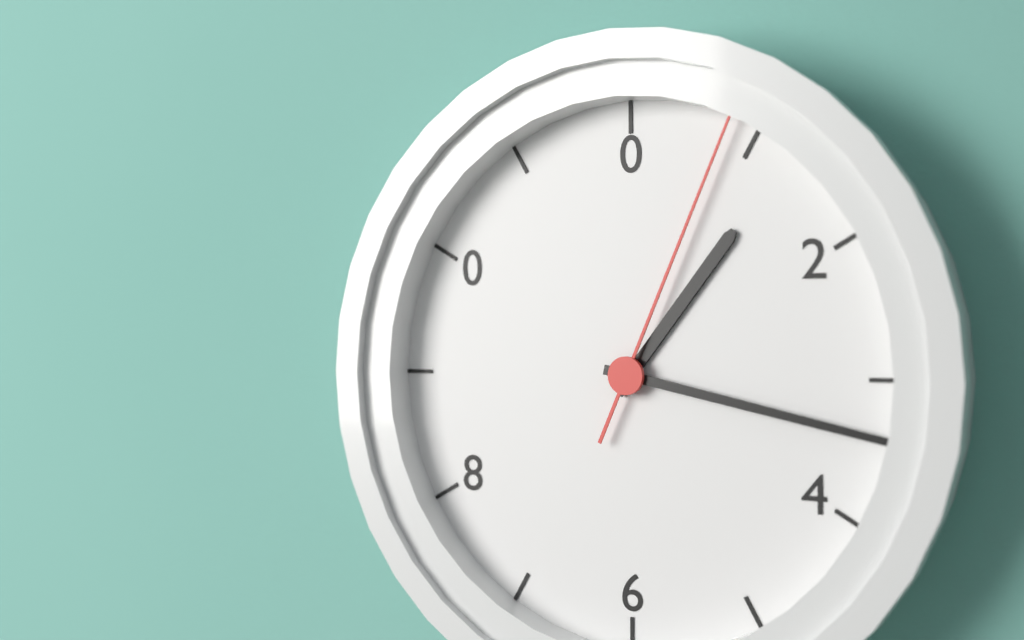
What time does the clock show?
1:17:04
